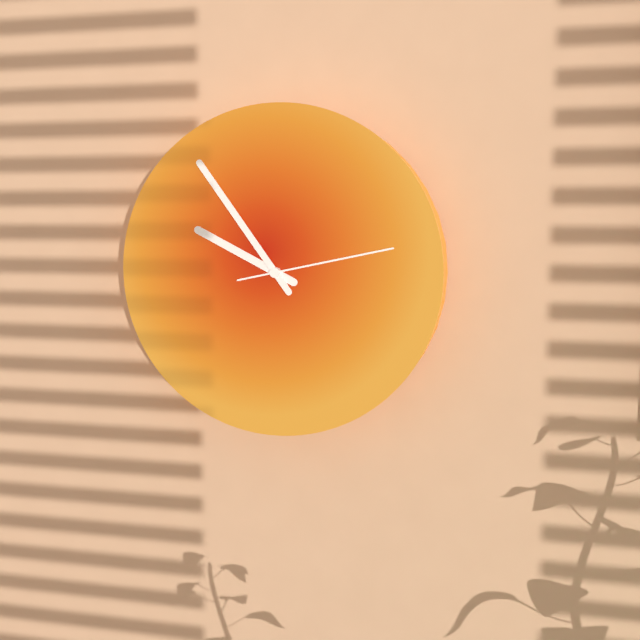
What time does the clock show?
9:54:13
